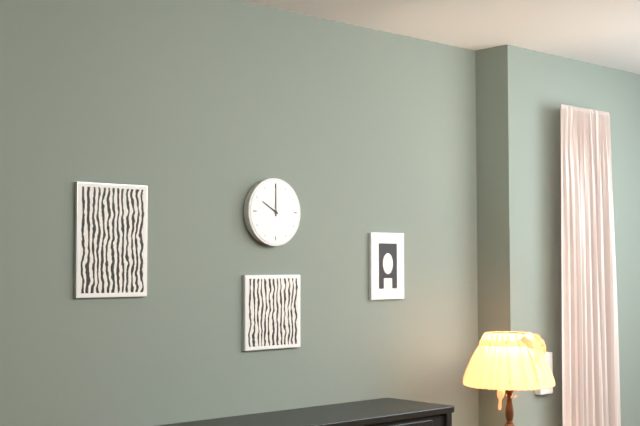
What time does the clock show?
10:00
